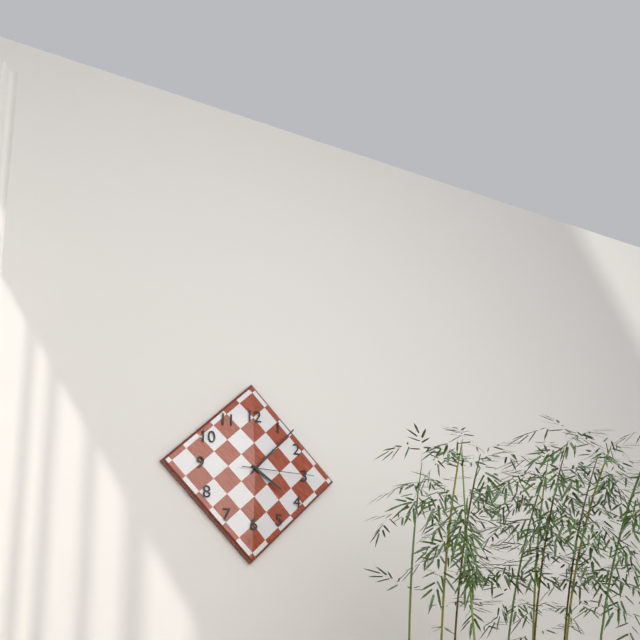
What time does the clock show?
4:07:15
